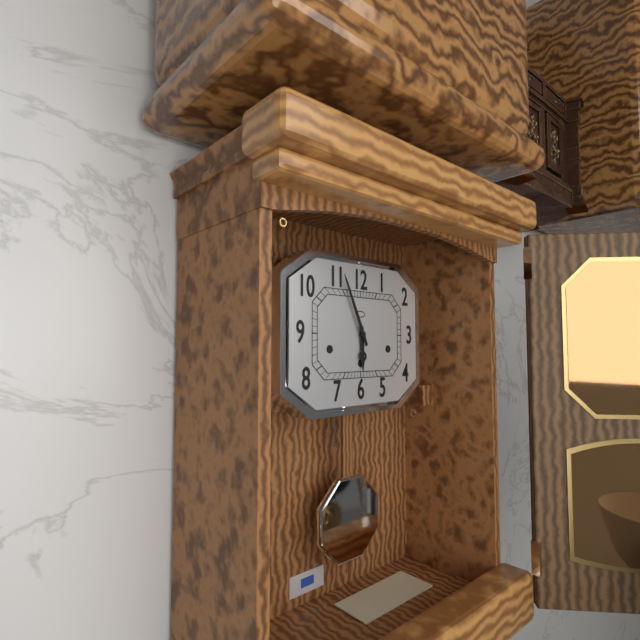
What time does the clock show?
5:56
